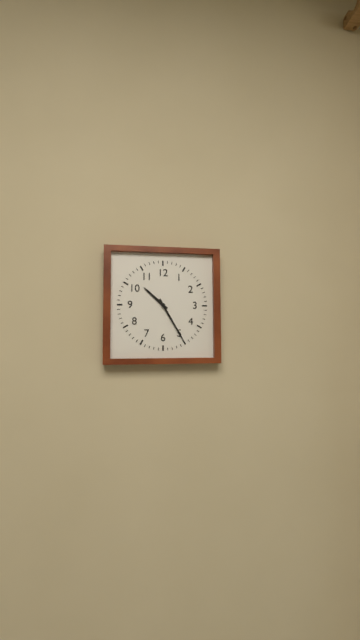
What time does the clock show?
10:25
